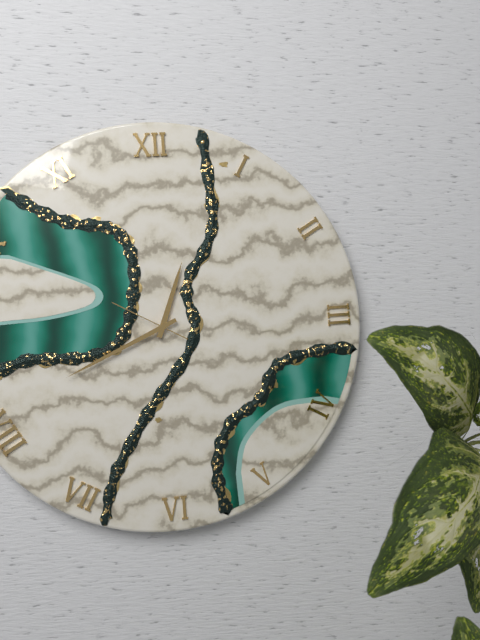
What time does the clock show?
12:41:50
